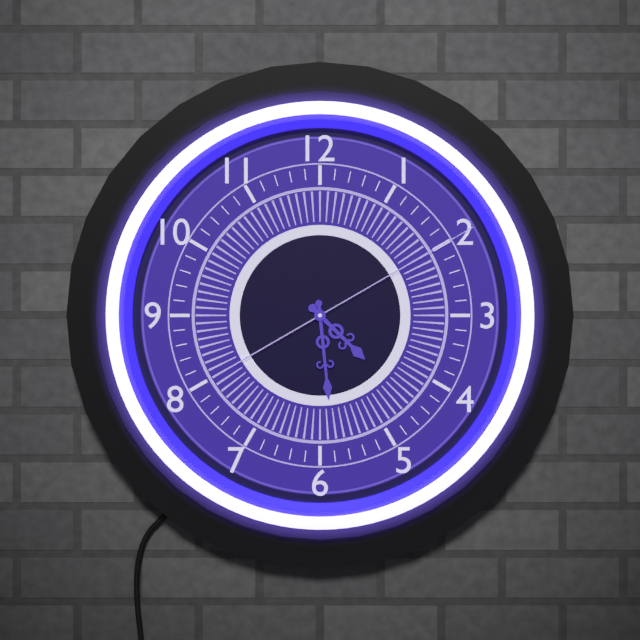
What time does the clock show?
4:29:10
